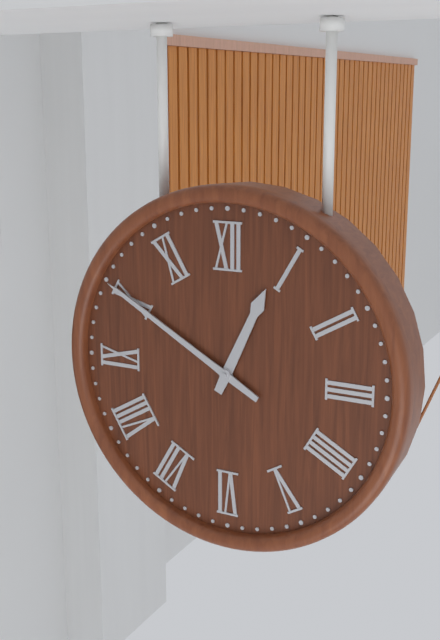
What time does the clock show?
12:50
